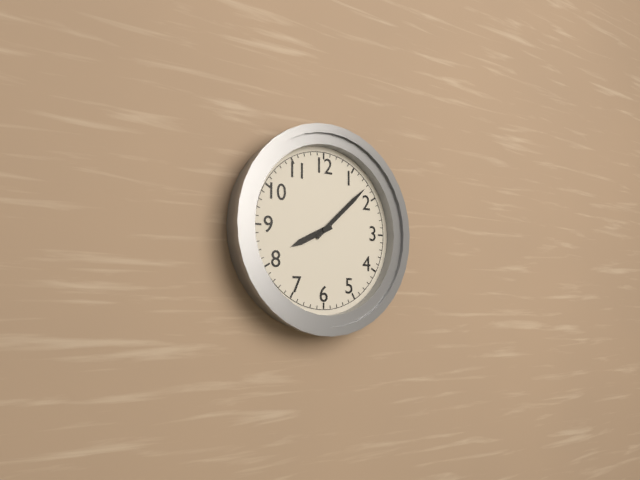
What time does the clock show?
8:08
